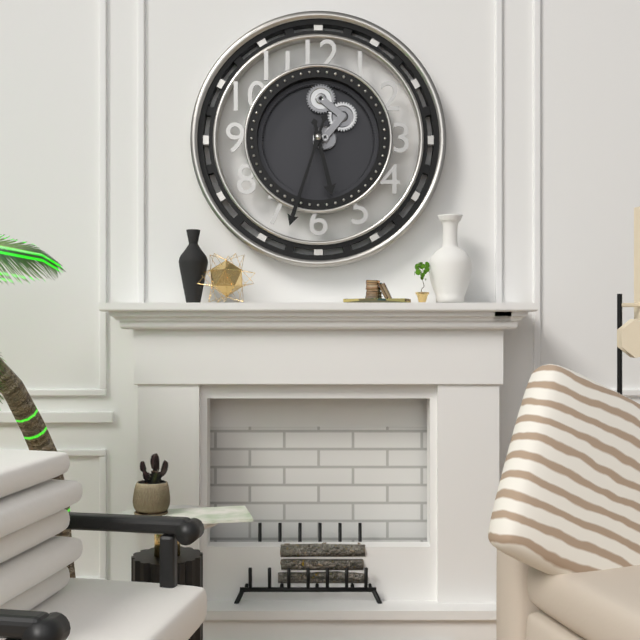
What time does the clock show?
5:33
